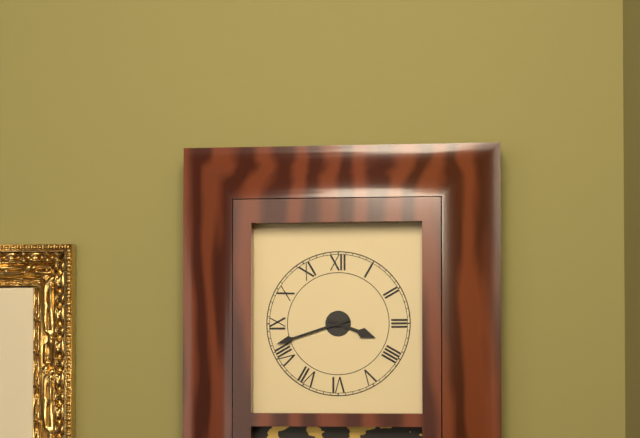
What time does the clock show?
3:42
